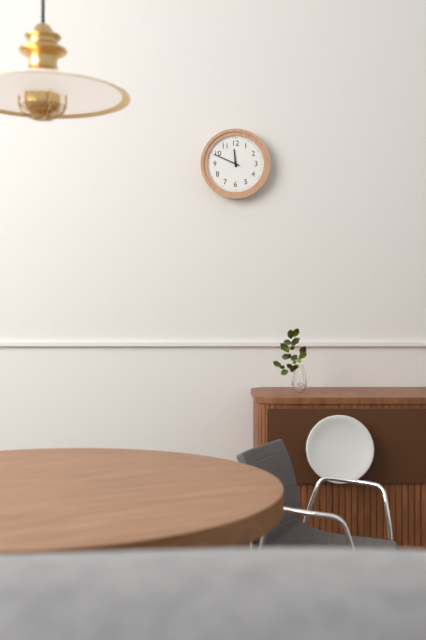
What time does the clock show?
11:49
